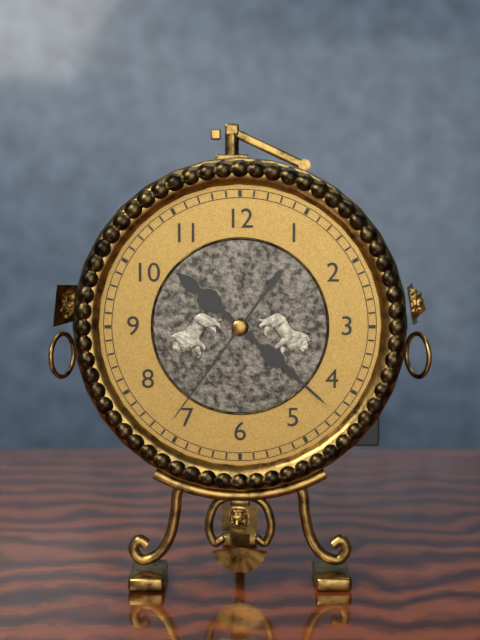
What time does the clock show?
10:22:36
